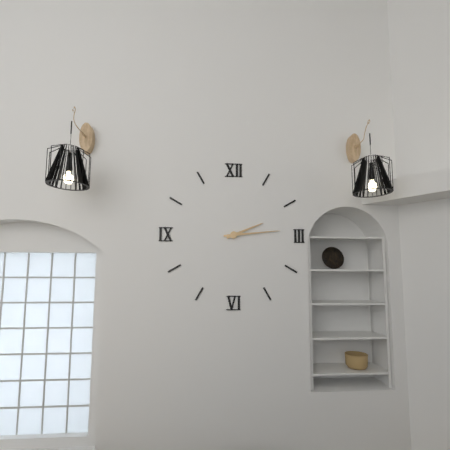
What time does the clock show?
2:14
